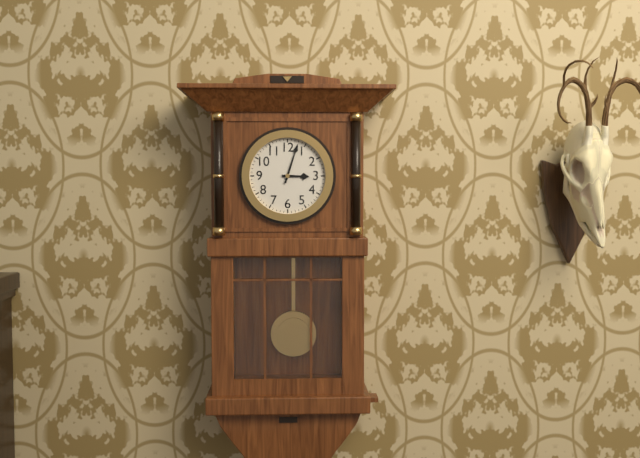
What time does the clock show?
3:03
